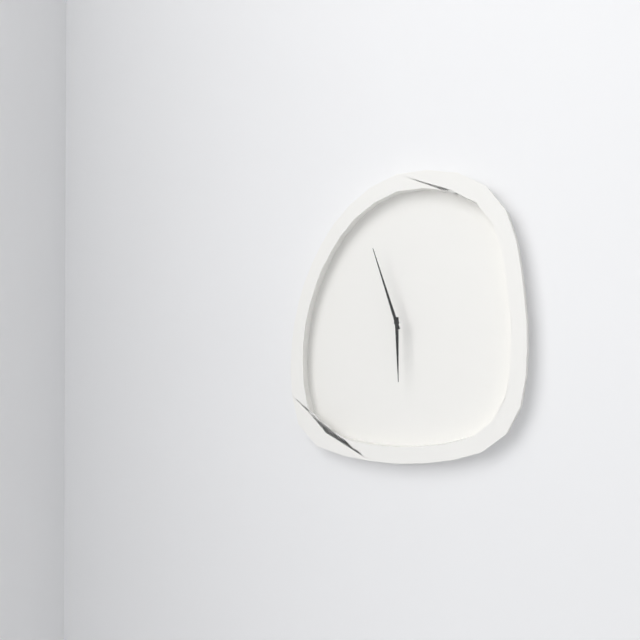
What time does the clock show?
5:57
